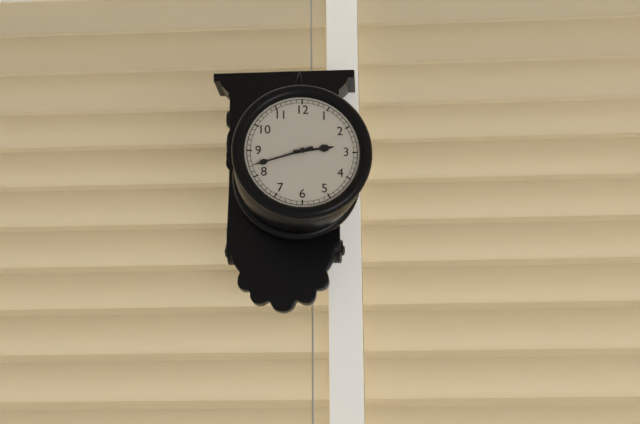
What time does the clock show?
2:42
